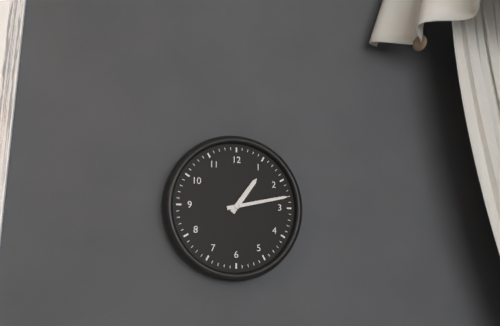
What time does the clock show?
1:13
